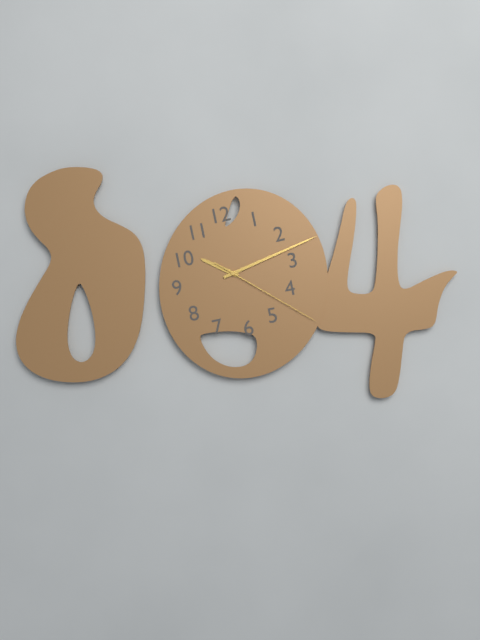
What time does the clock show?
10:13:22
